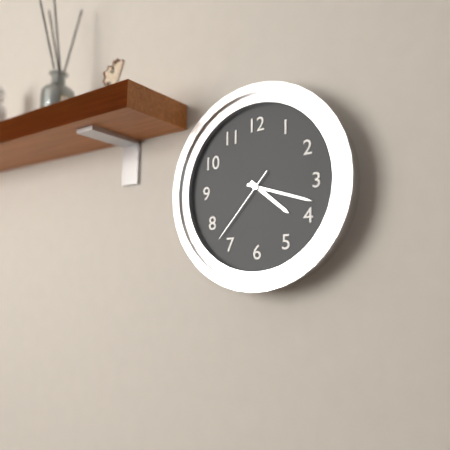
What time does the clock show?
4:18:37
